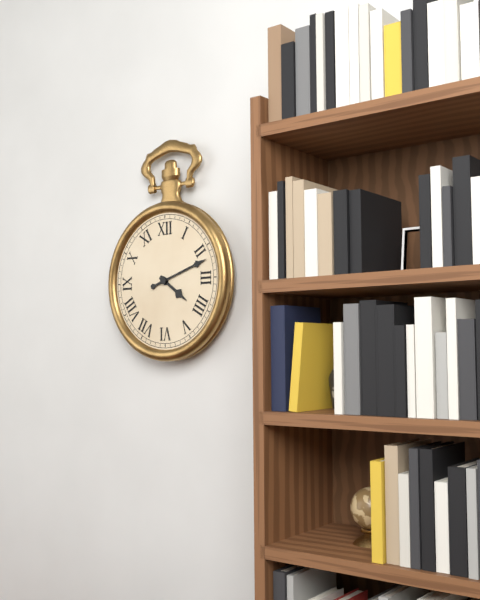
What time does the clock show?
4:12
